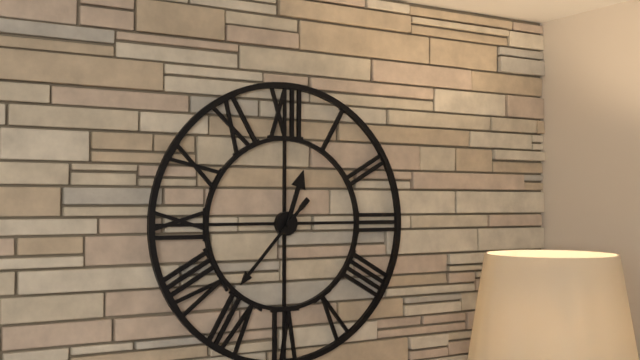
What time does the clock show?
12:37
